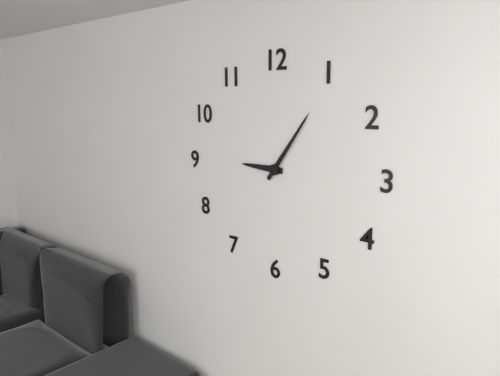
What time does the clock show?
9:06
